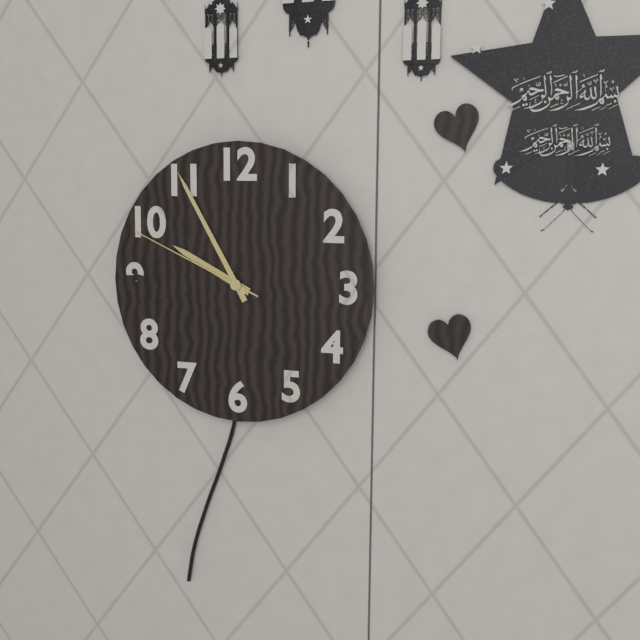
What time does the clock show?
9:55:49
